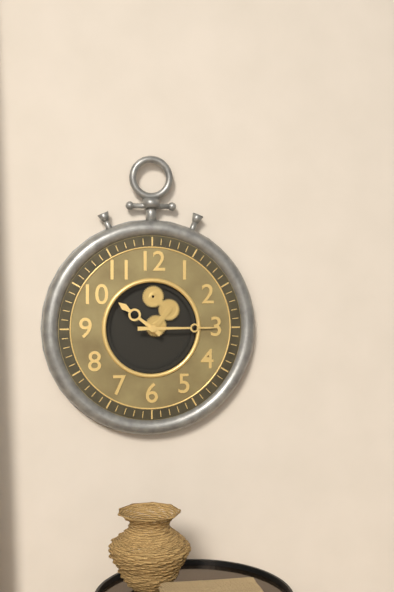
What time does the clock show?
10:15
